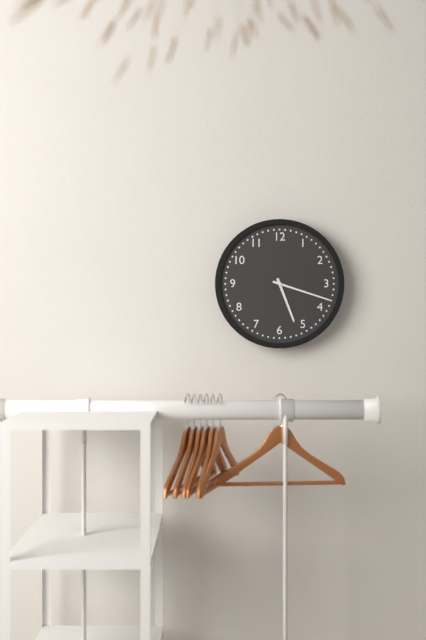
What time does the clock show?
5:18
